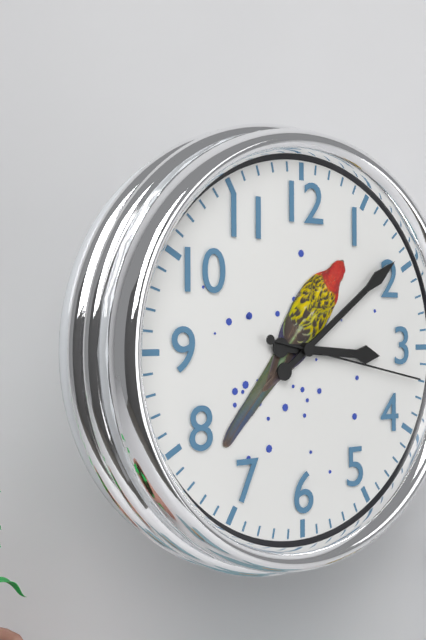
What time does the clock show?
3:09:17
